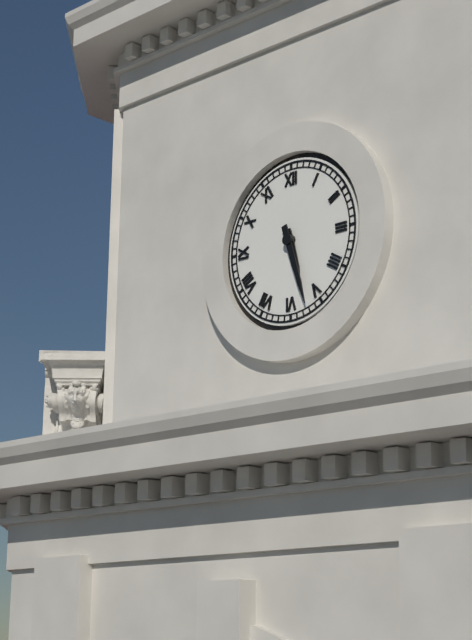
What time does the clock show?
5:27
